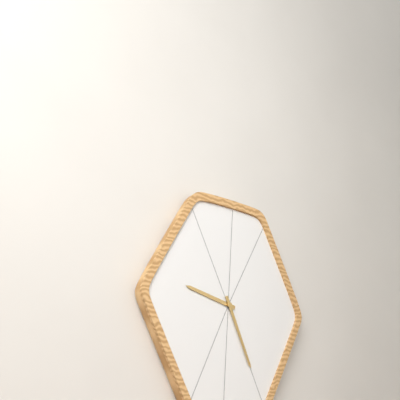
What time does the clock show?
9:26
